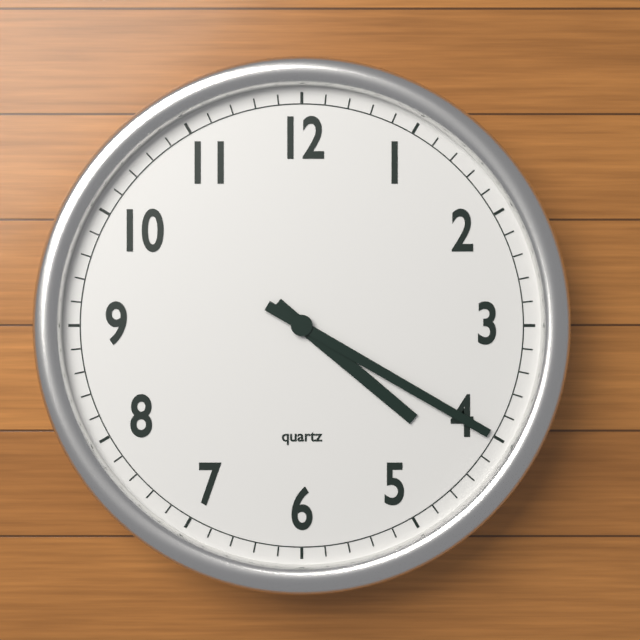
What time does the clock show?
4:20
